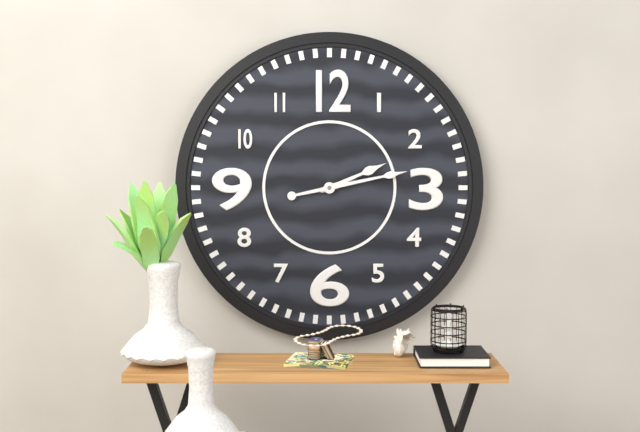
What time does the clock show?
2:13
